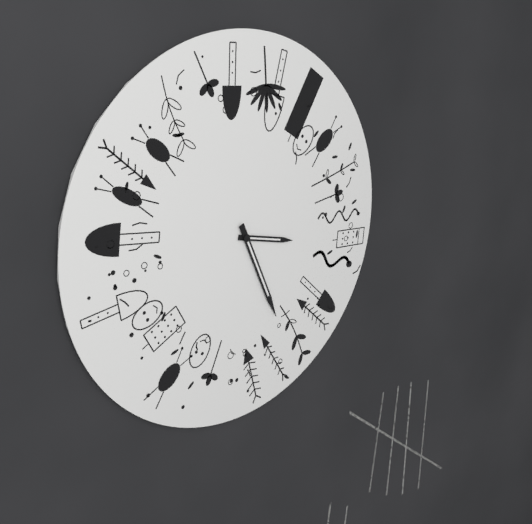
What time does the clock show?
3:26
